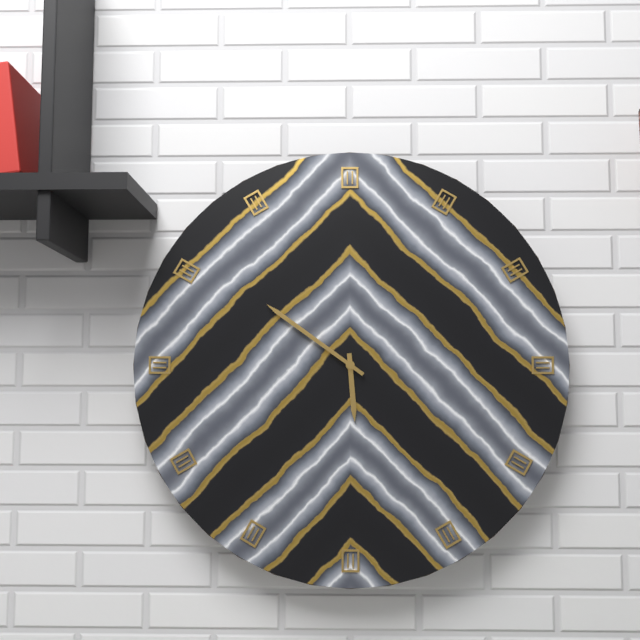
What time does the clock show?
5:51
